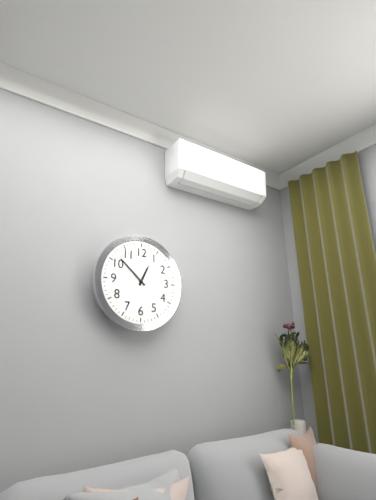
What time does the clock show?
12:52
